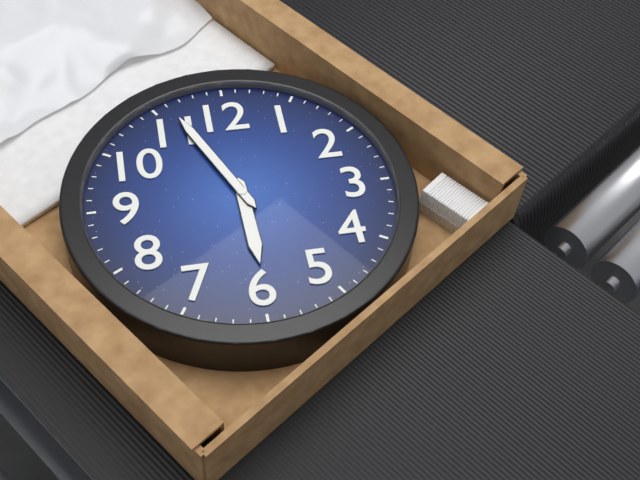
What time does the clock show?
5:56
